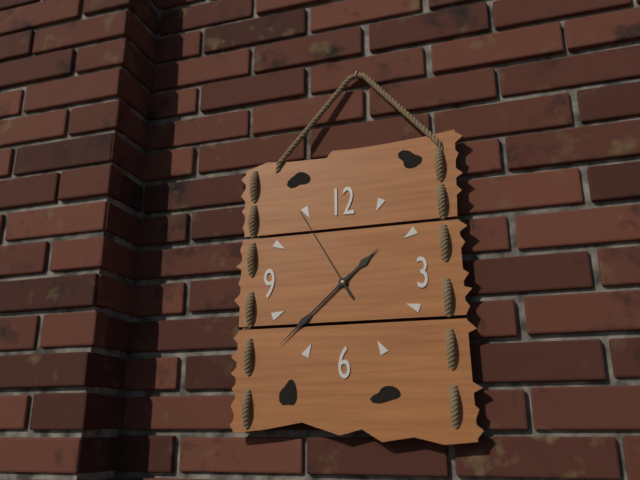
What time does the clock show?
1:38:55
